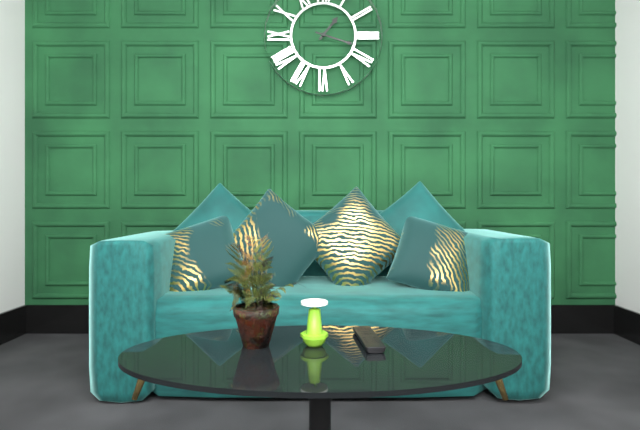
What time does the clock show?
1:18
